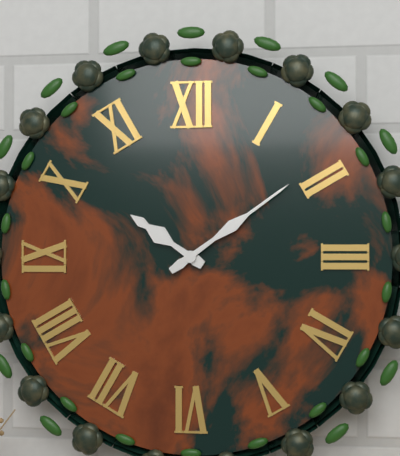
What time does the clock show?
10:09
